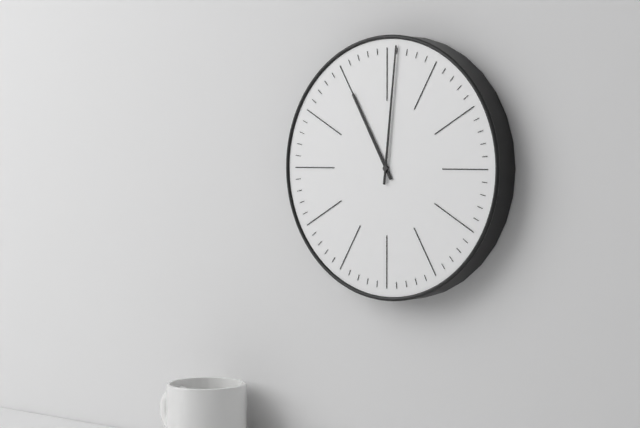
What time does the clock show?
11:01
